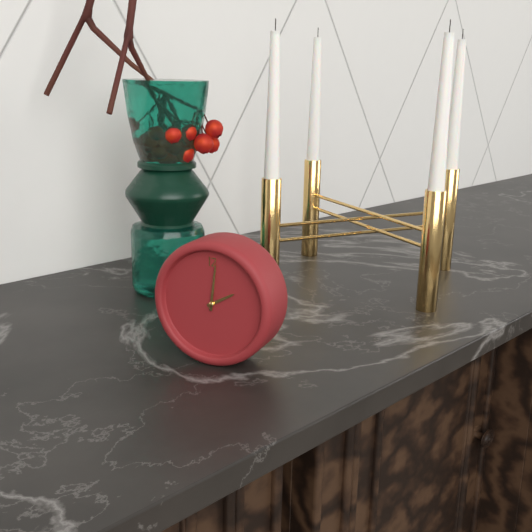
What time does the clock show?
2:01
